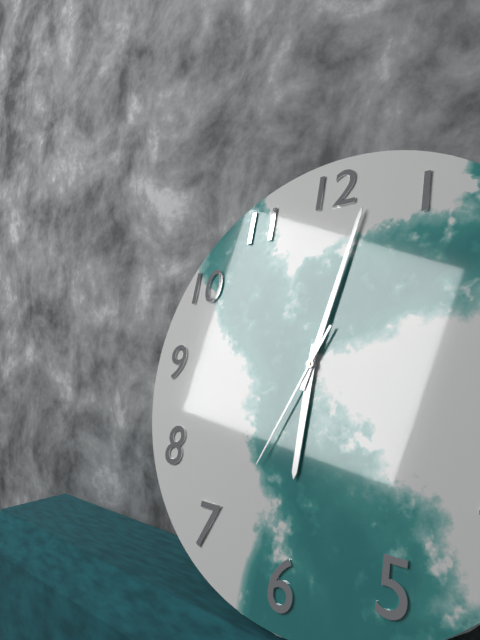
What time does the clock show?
6:02:34
